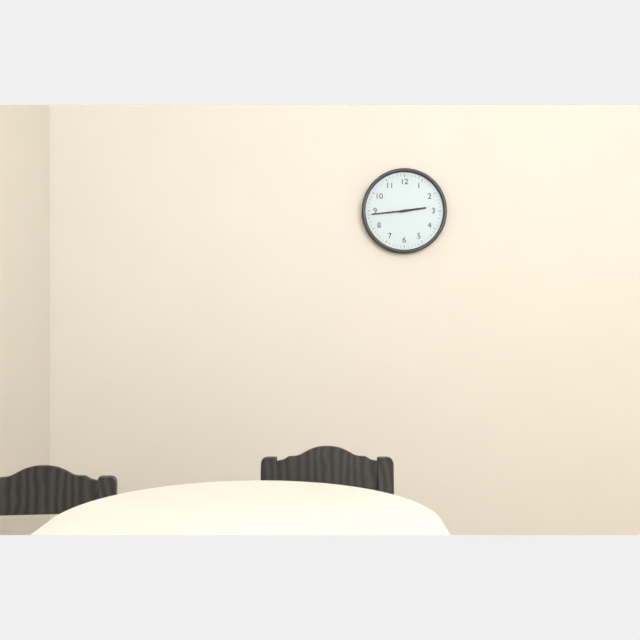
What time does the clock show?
2:44
